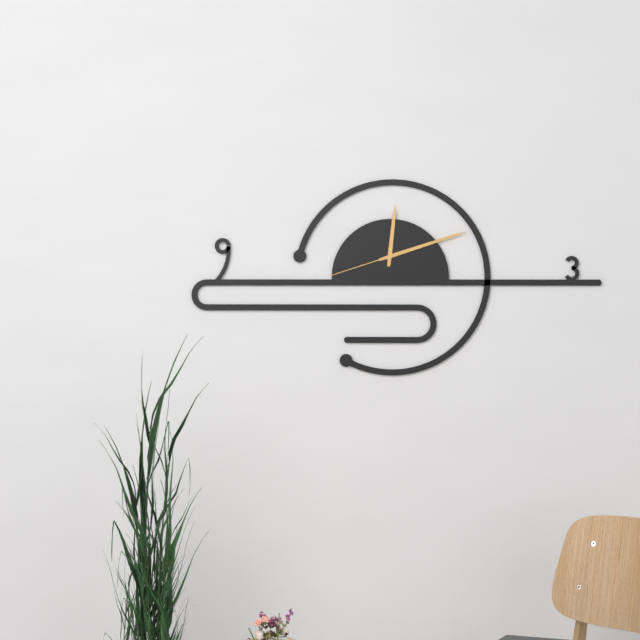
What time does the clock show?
12:12:42
